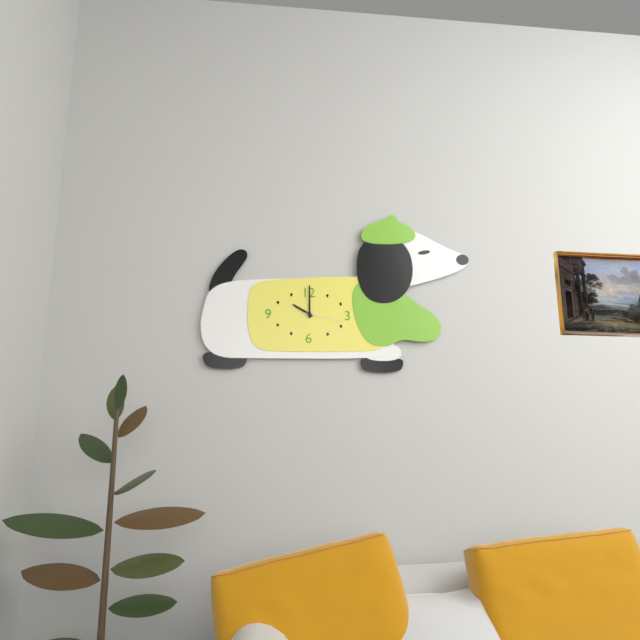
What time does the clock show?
10:00
